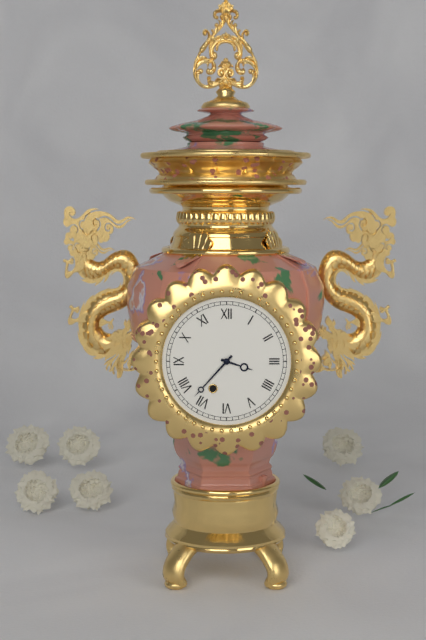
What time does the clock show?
3:37
